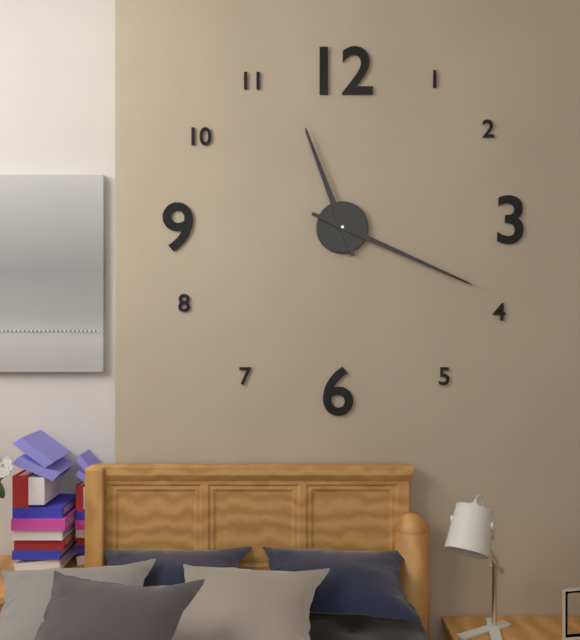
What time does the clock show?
11:19
